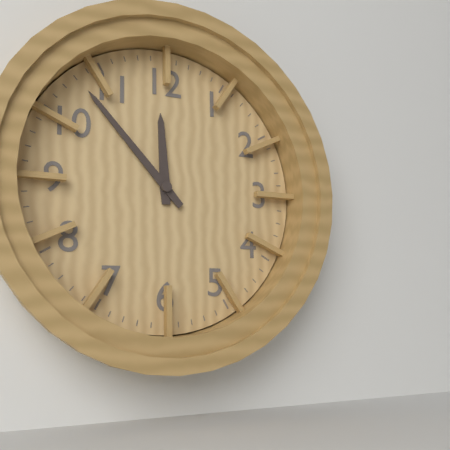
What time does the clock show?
11:53
